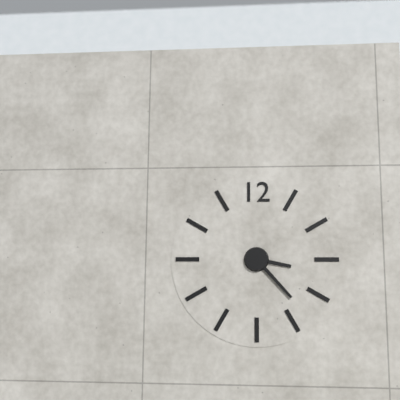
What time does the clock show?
3:23
